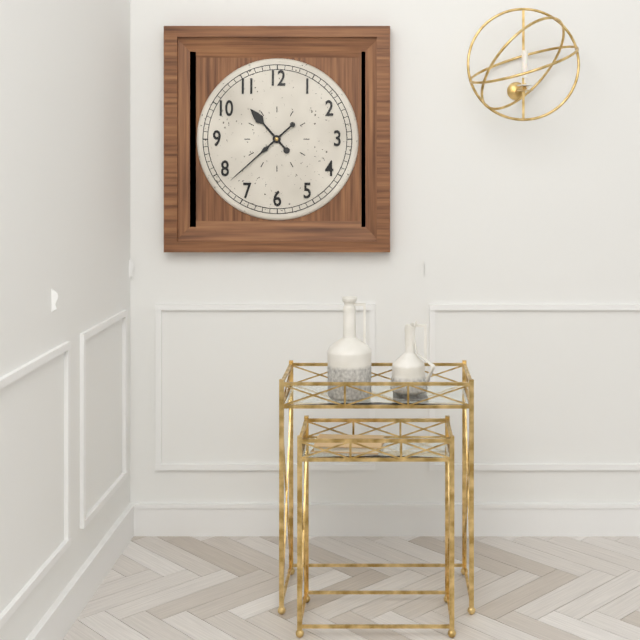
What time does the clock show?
10:38
